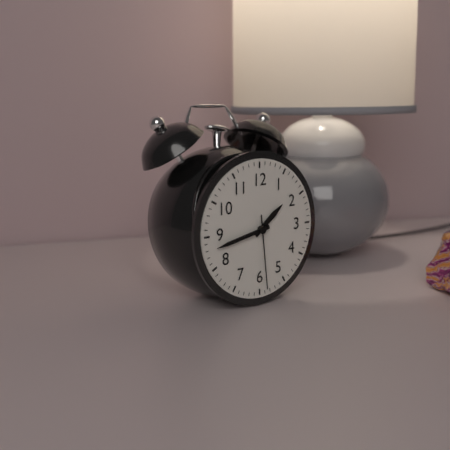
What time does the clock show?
1:43:29
